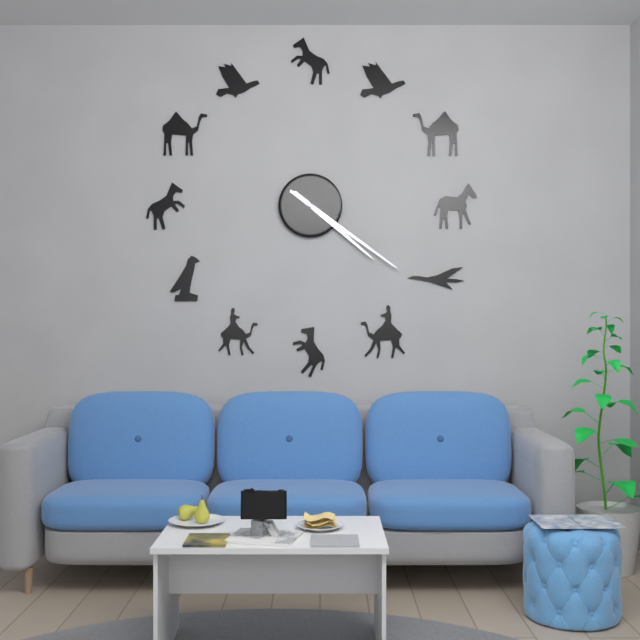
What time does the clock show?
4:21
